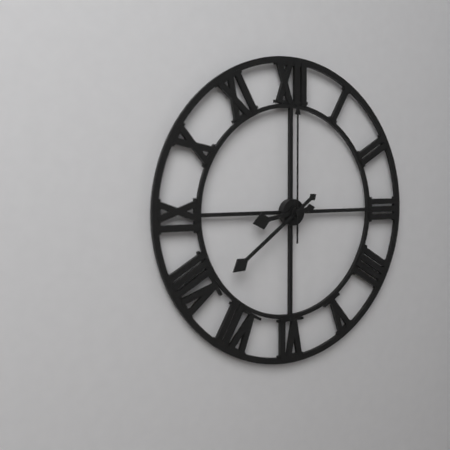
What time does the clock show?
8:39:00
